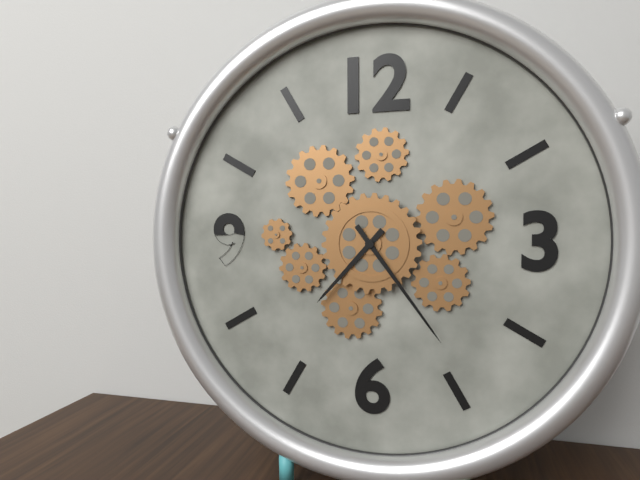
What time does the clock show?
7:24
